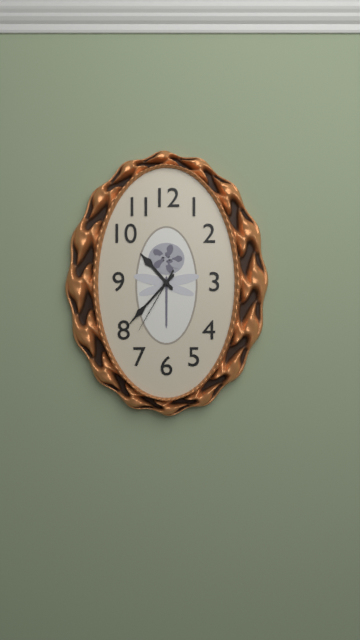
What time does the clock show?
10:37:35
